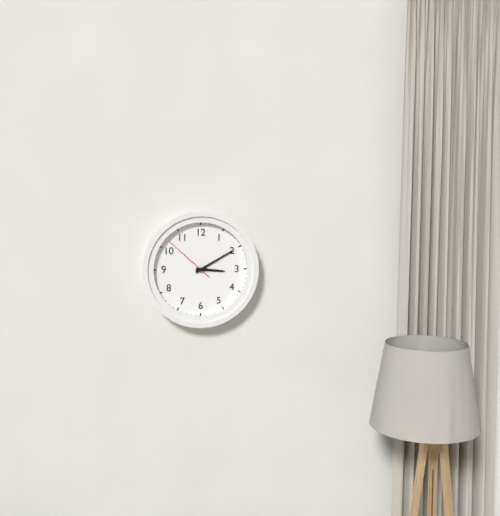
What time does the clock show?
3:10:52
